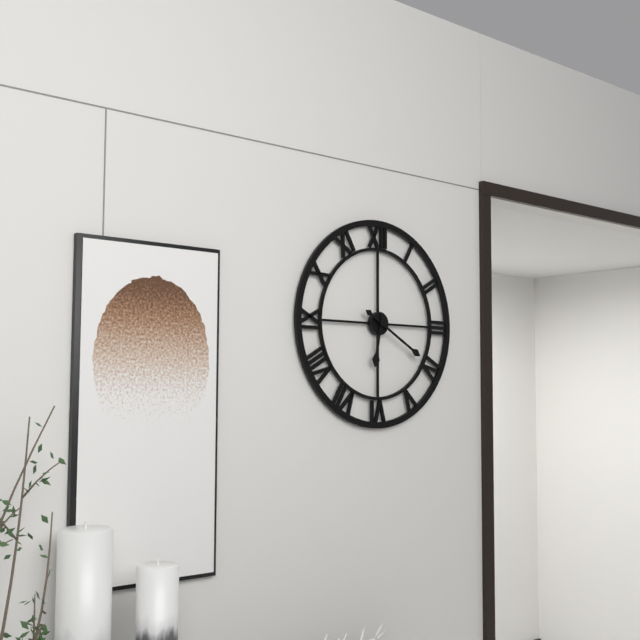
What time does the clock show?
6:20
